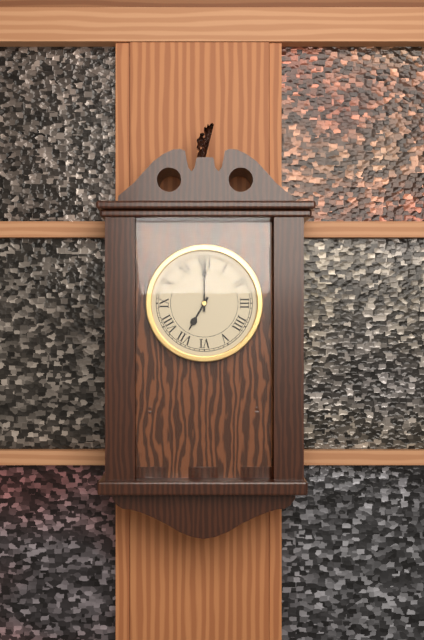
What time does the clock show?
7:00
